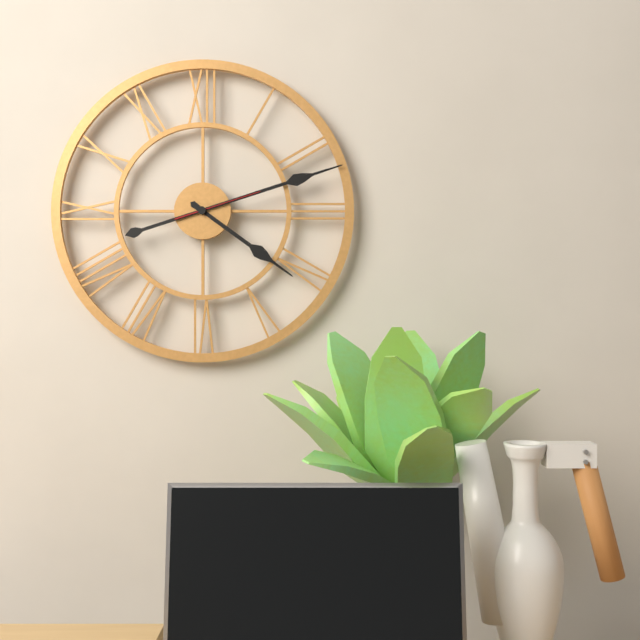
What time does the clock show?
4:12:12
